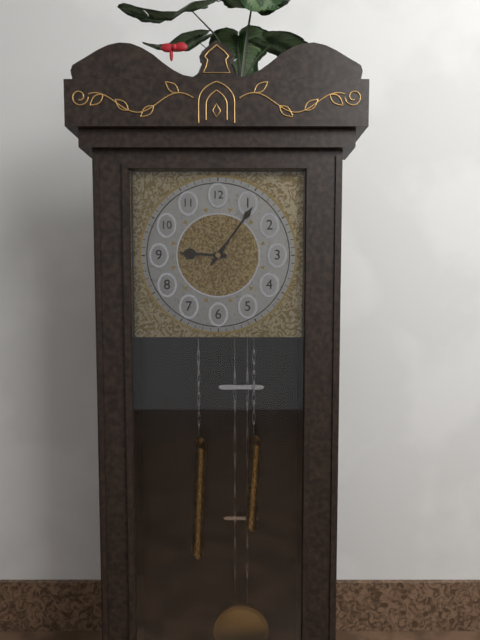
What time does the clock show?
9:06
